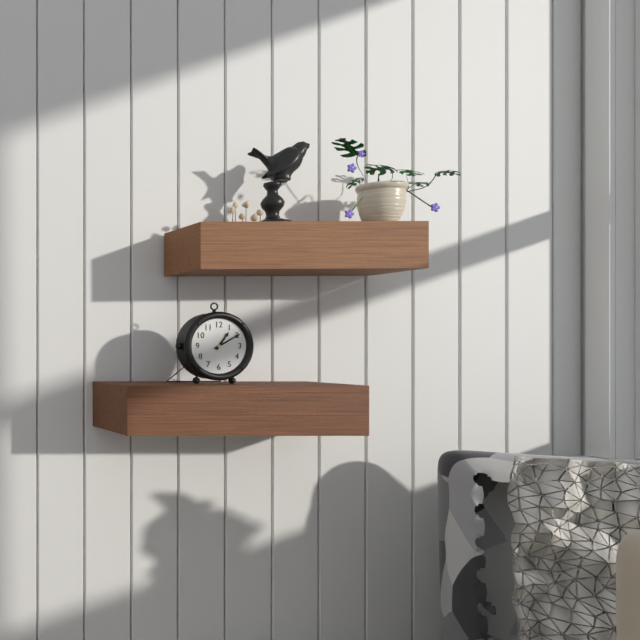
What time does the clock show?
1:10
